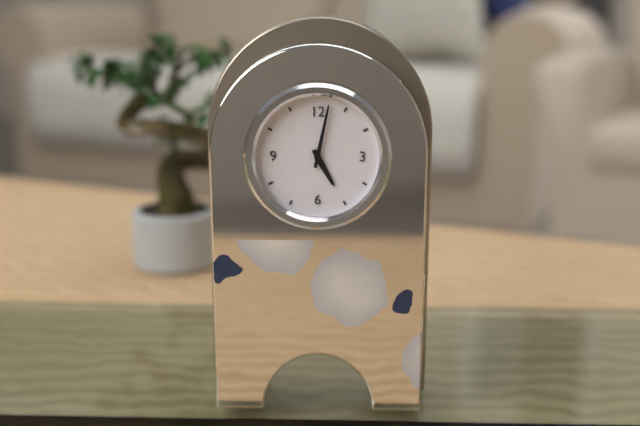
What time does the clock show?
5:02
